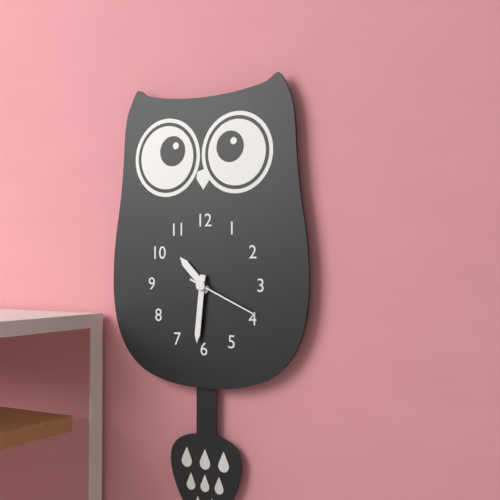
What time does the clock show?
10:31:19
